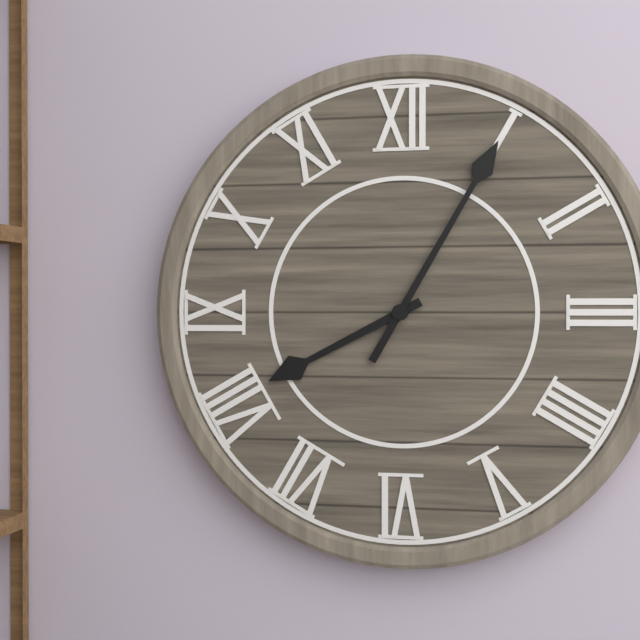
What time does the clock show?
8:05
